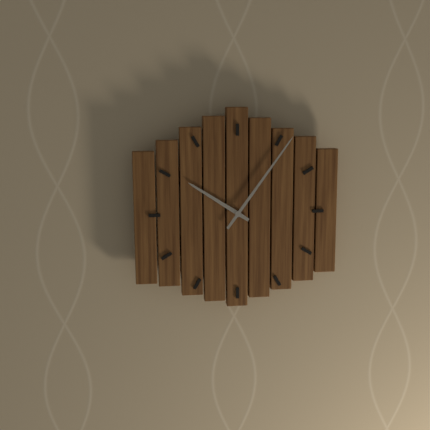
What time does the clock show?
10:06
